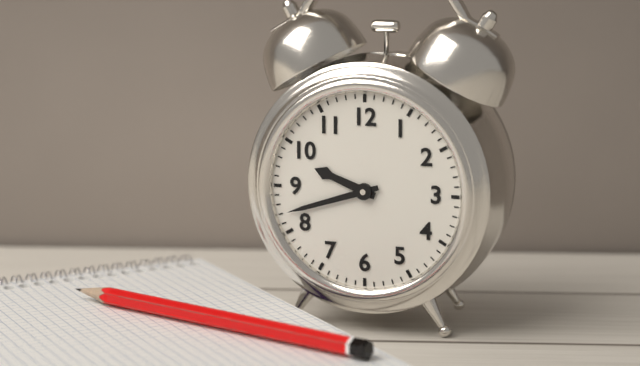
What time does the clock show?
9:42
